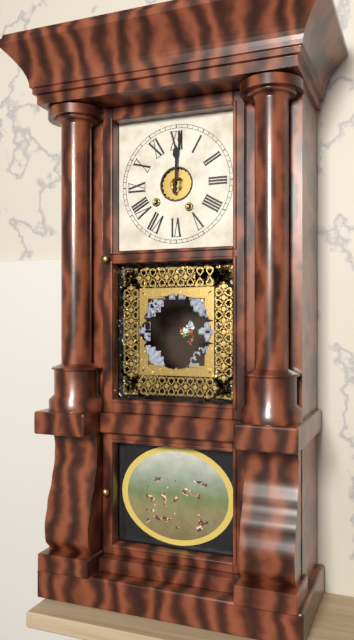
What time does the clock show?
12:01
